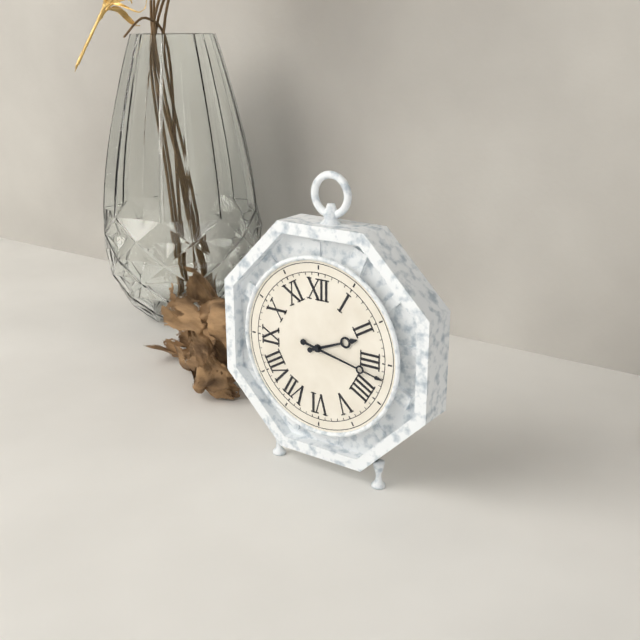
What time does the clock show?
2:17
